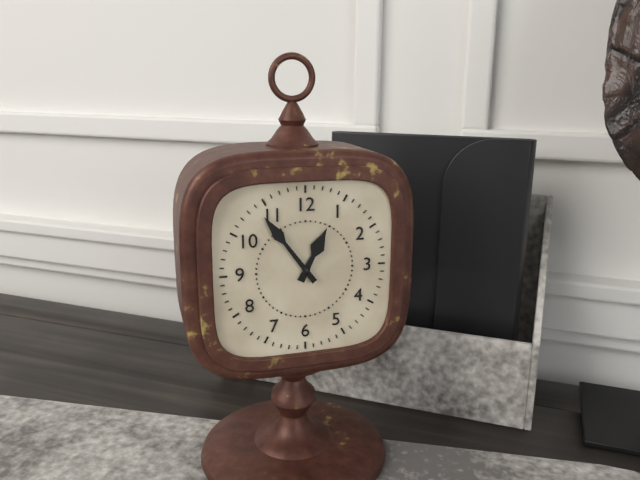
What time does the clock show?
12:54
